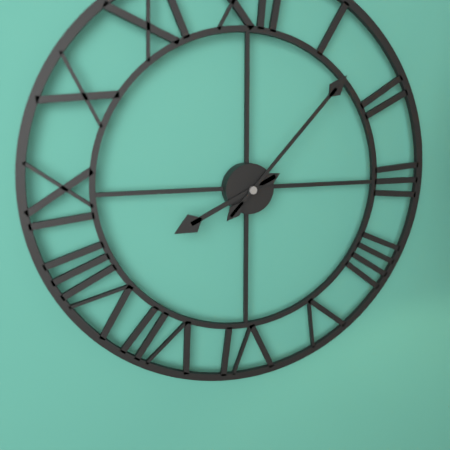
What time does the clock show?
8:07
